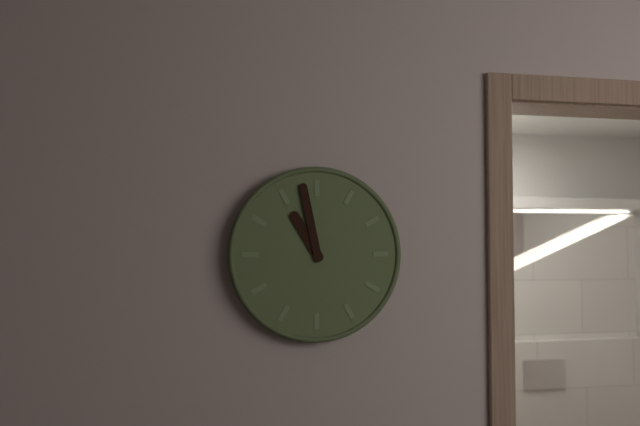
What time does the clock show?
10:58
